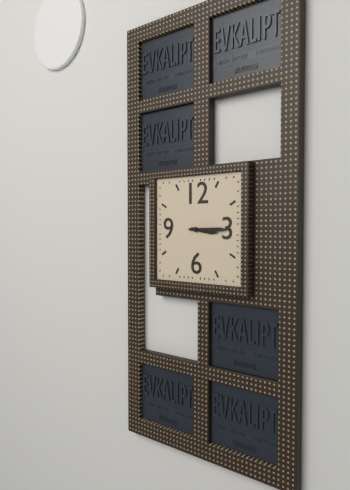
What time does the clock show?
3:15
